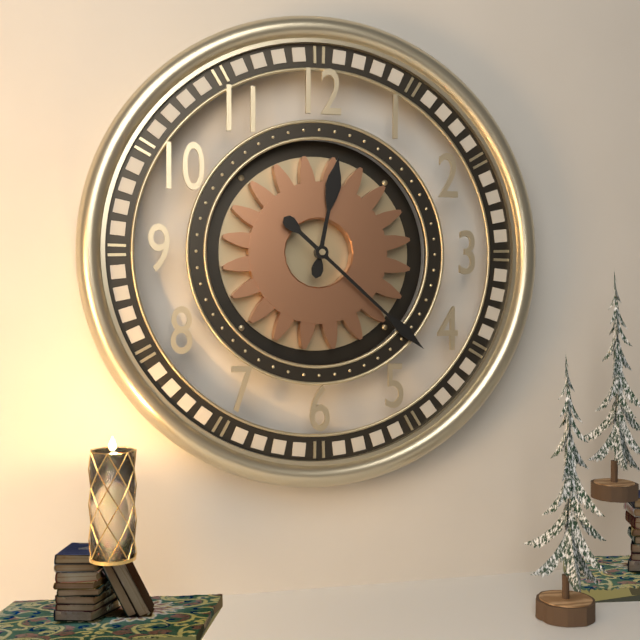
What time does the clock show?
12:22
